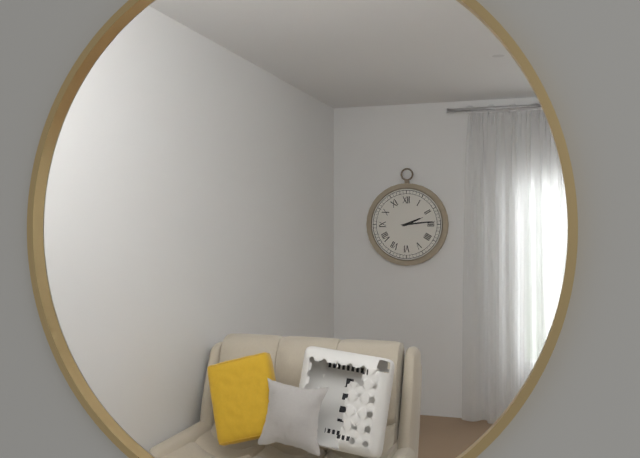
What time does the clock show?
2:14
